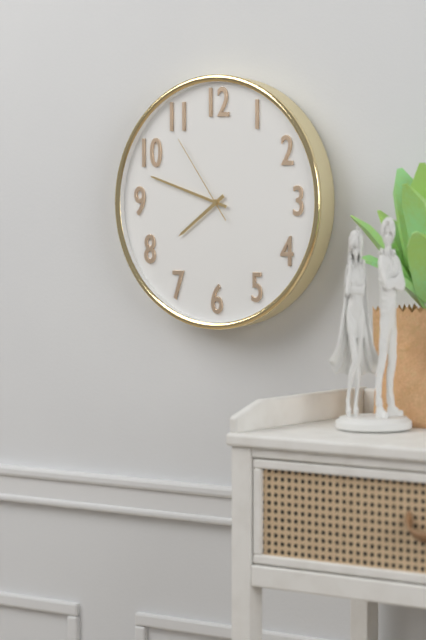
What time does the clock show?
7:48:54
